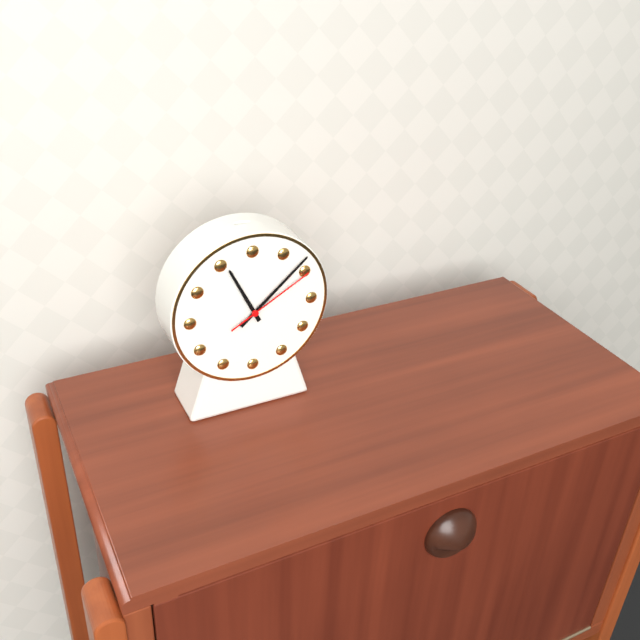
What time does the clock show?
11:08:10
